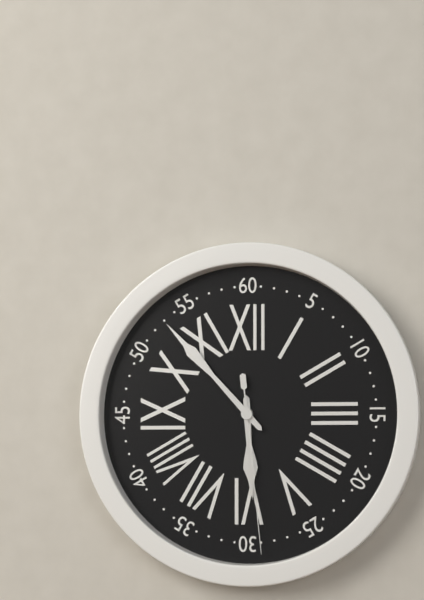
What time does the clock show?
5:53:29
